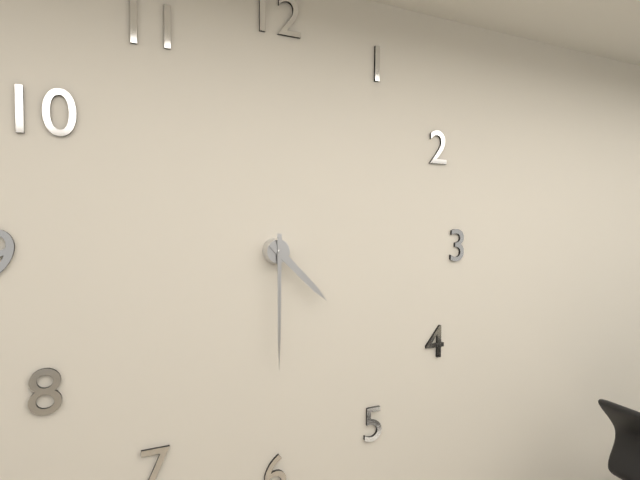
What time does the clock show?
4:30
